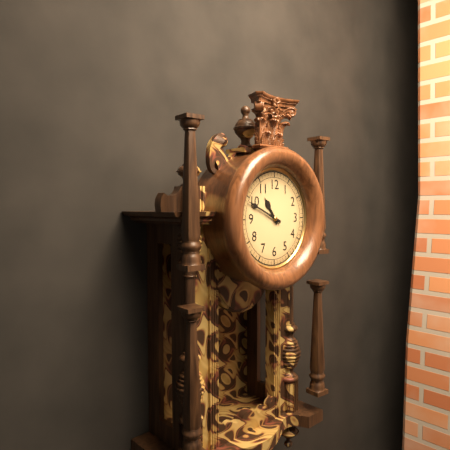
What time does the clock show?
10:49
